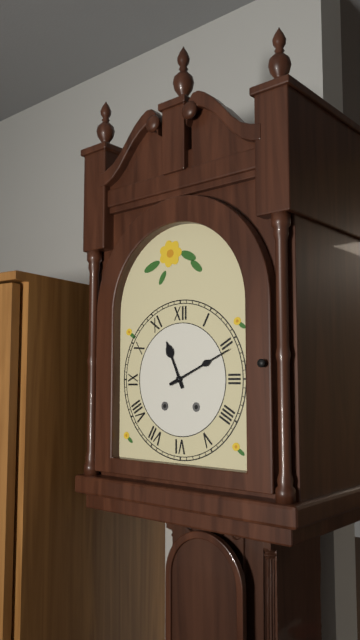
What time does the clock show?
11:11
